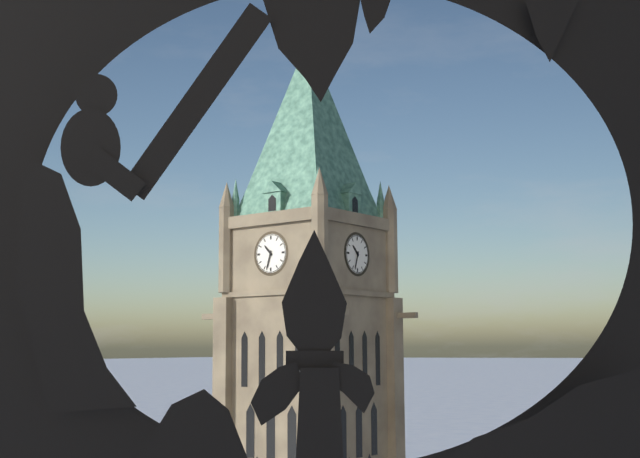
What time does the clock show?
10:33
